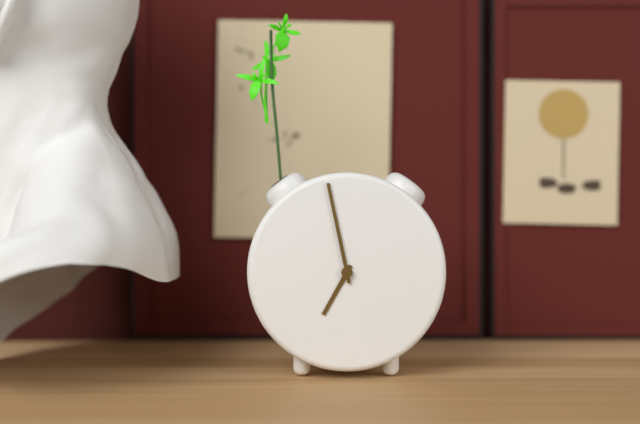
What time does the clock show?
6:58
